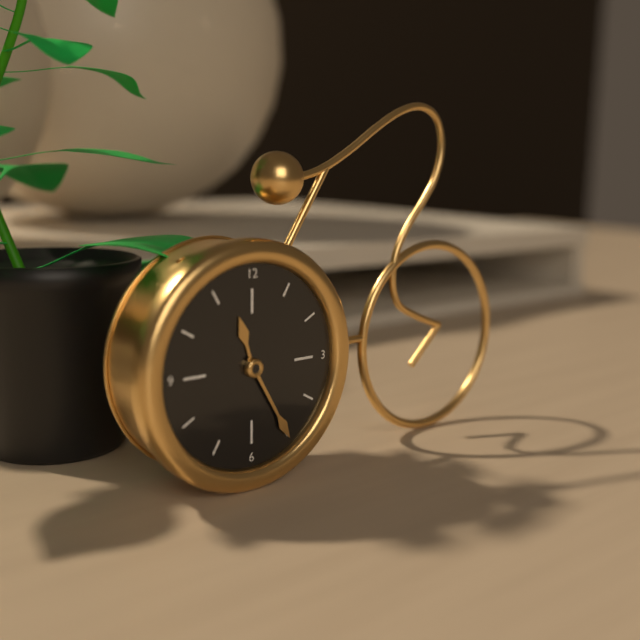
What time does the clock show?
11:25
